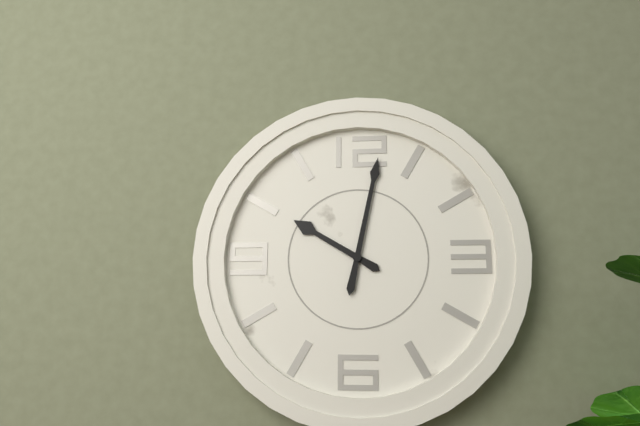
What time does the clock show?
10:02
